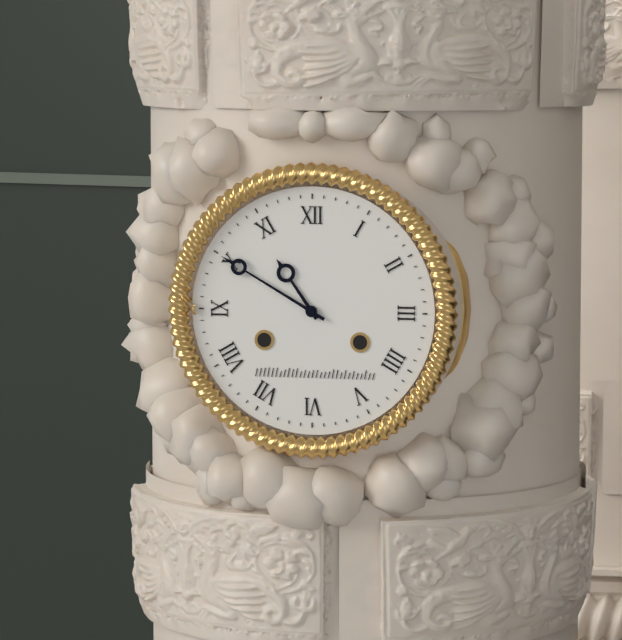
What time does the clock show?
10:50
